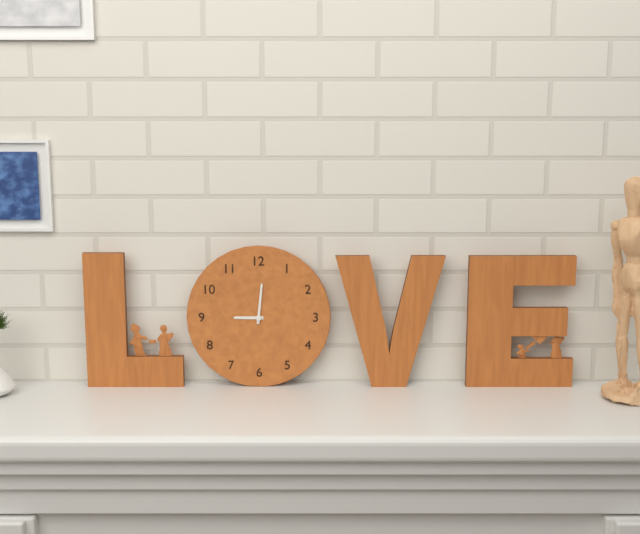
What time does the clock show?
9:01
